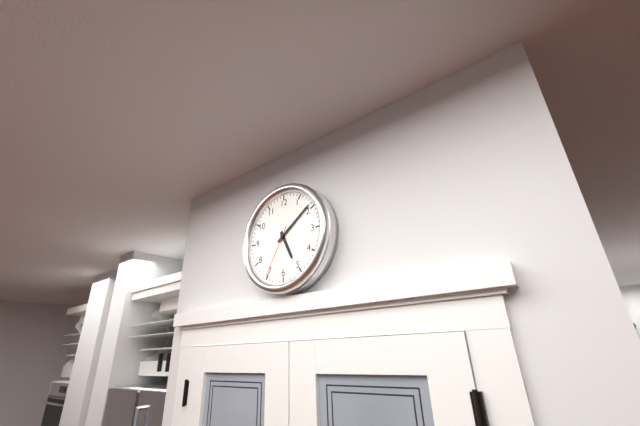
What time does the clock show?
5:09:35
